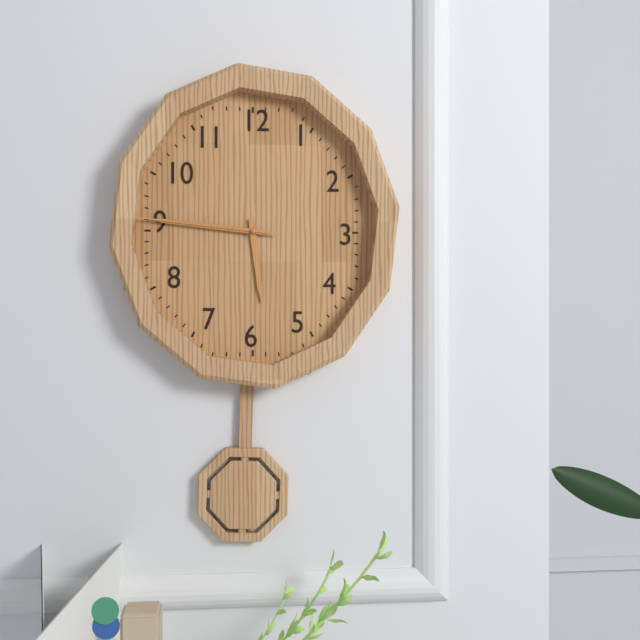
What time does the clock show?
5:46:46
